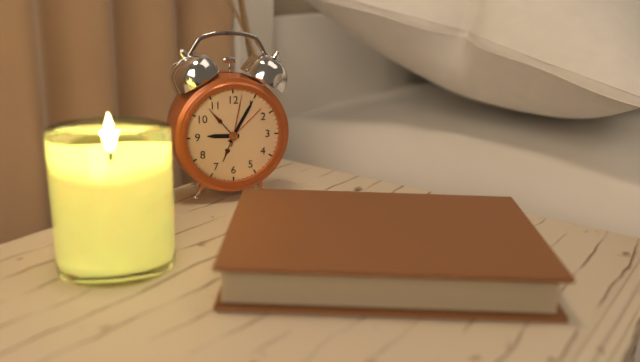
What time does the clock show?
9:05:02
